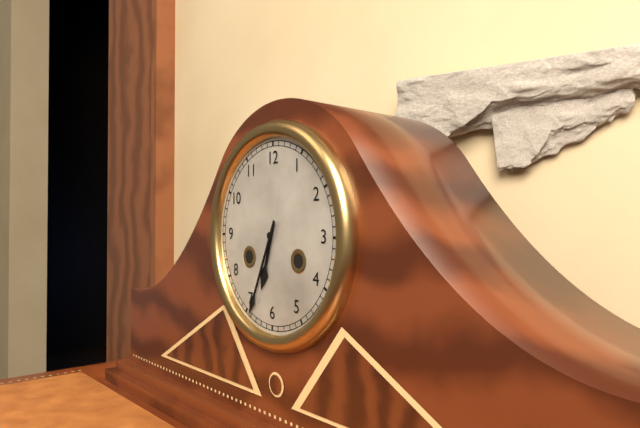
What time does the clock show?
6:34
